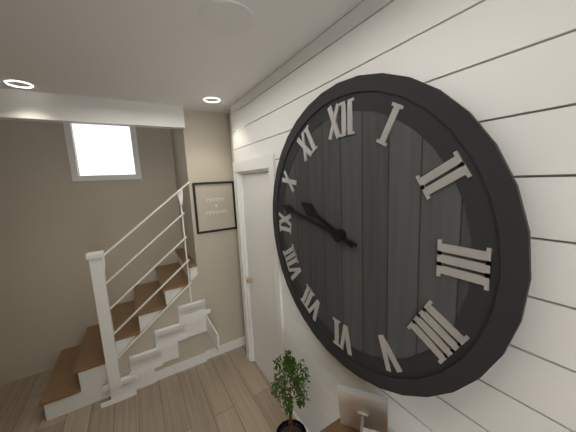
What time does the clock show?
9:47
